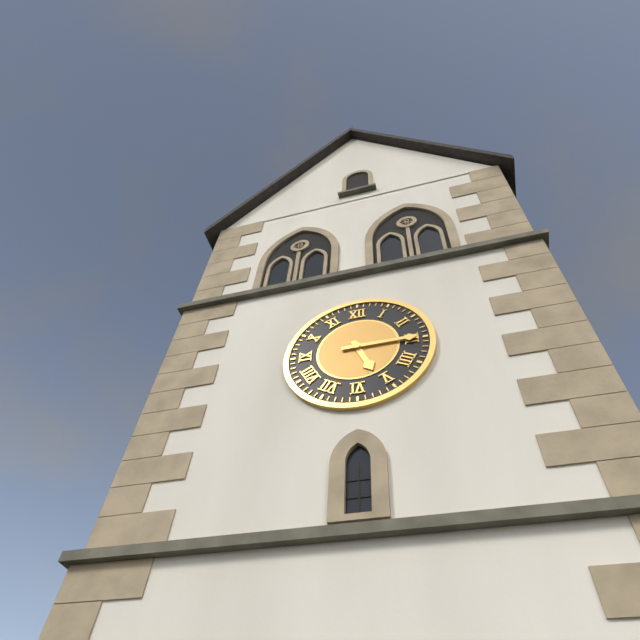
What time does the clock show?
5:15
